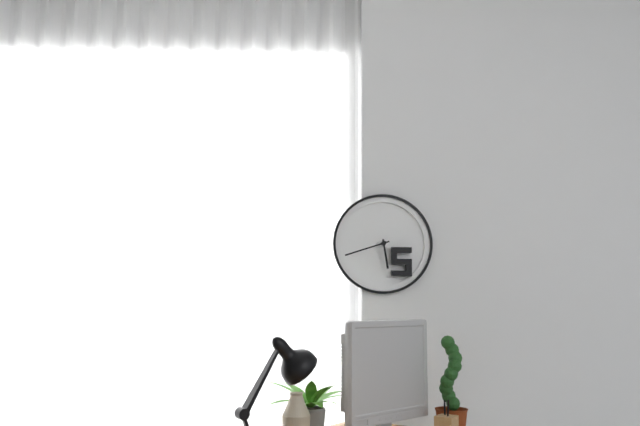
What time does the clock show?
5:42
